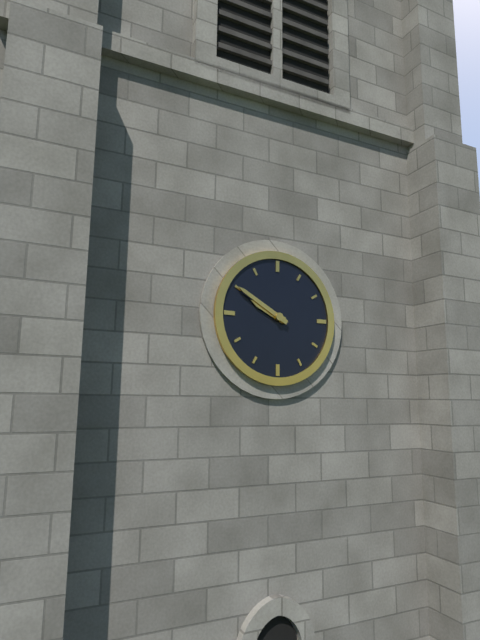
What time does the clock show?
9:50
